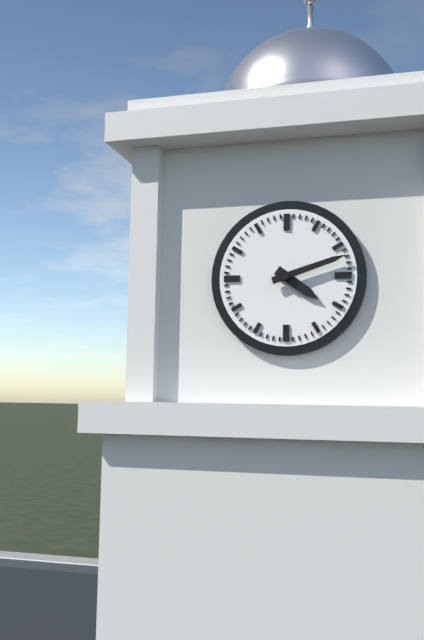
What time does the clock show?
4:12
